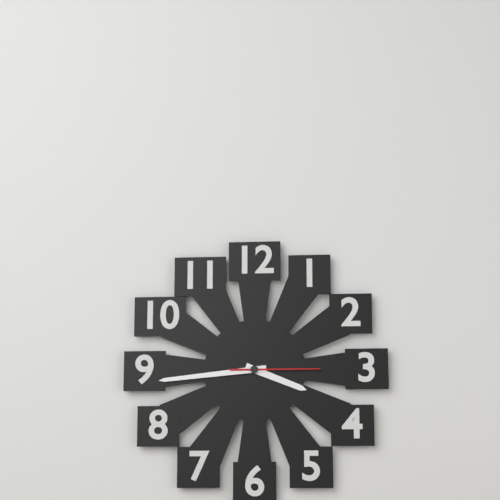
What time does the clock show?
3:44:15
